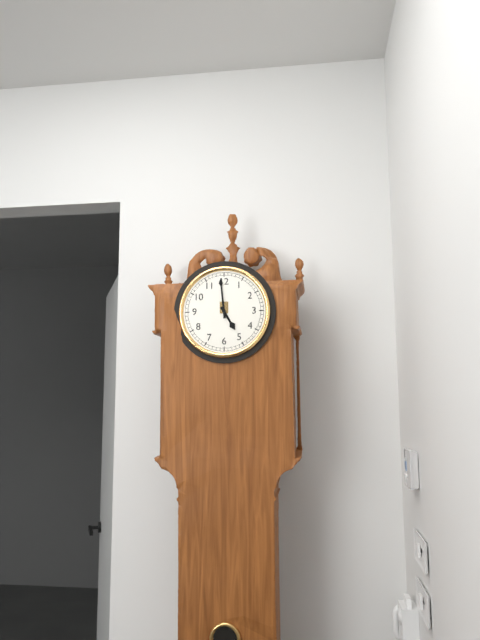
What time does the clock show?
4:59
